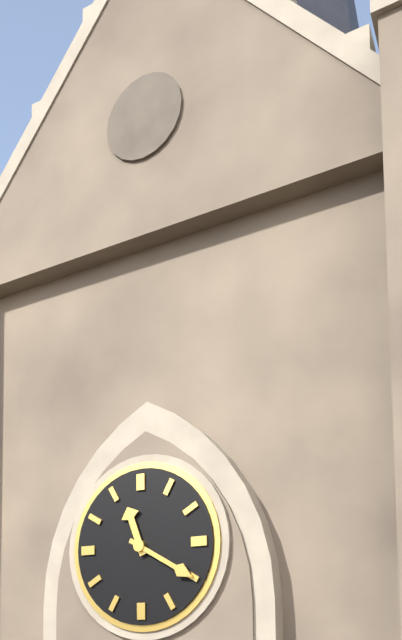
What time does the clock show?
11:20
